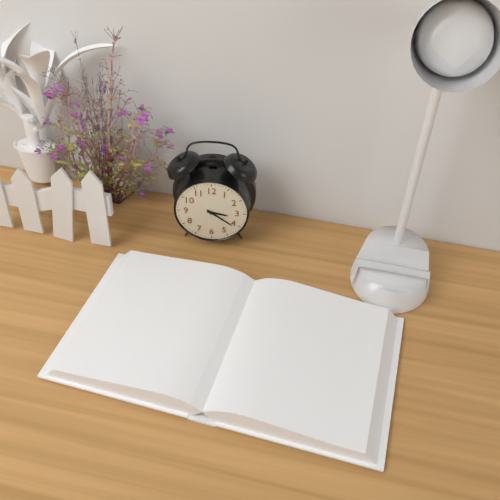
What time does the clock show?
3:21
